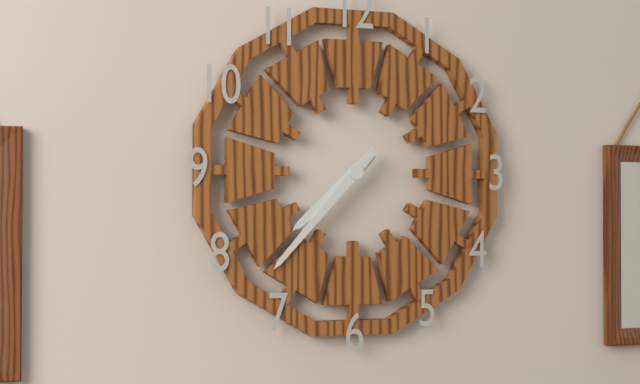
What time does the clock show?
7:37
